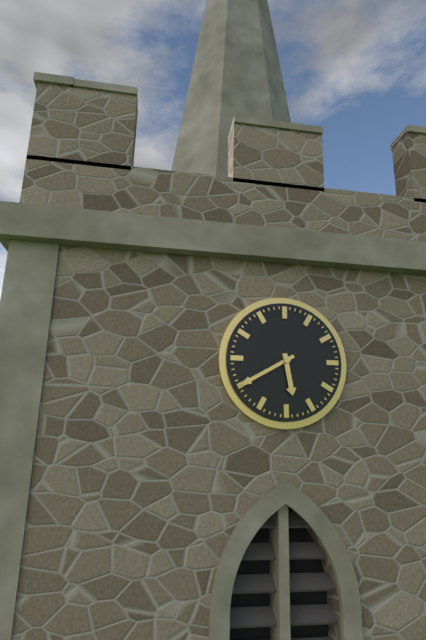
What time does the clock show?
5:40
